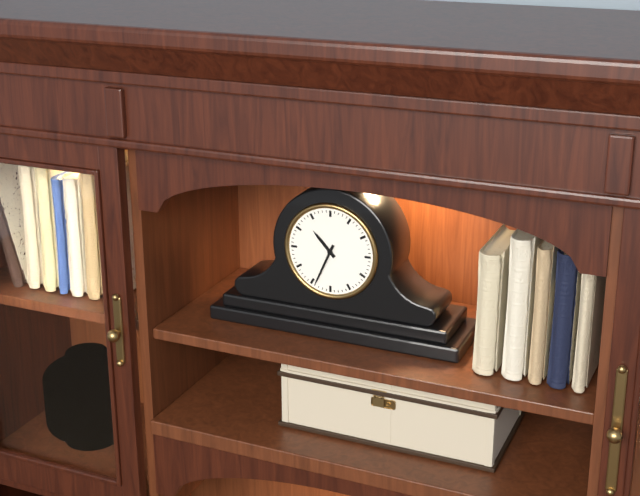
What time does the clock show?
10:34
